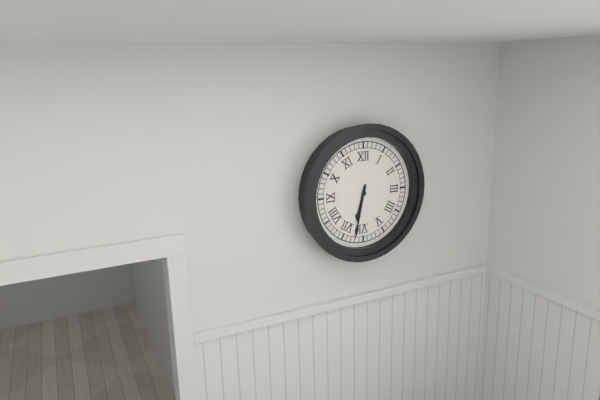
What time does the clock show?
6:32
